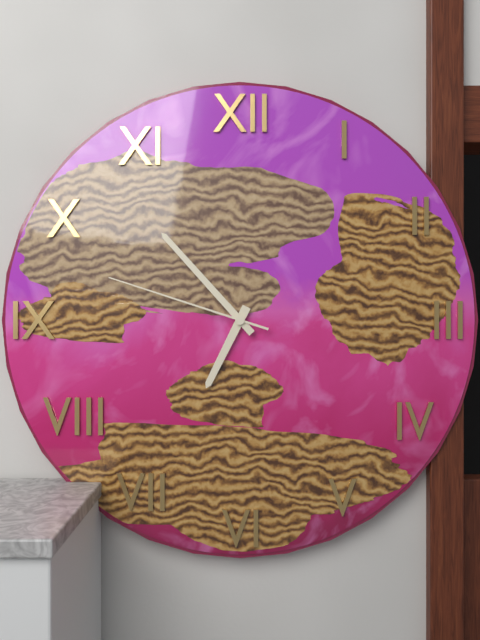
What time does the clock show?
6:53:48
